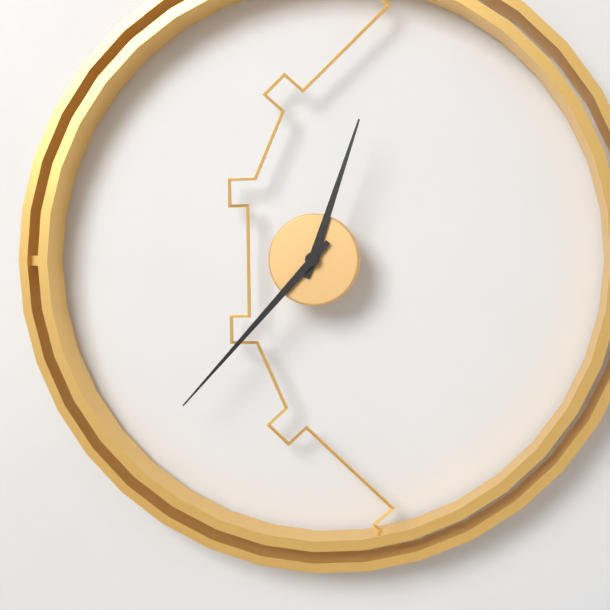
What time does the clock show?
12:37
